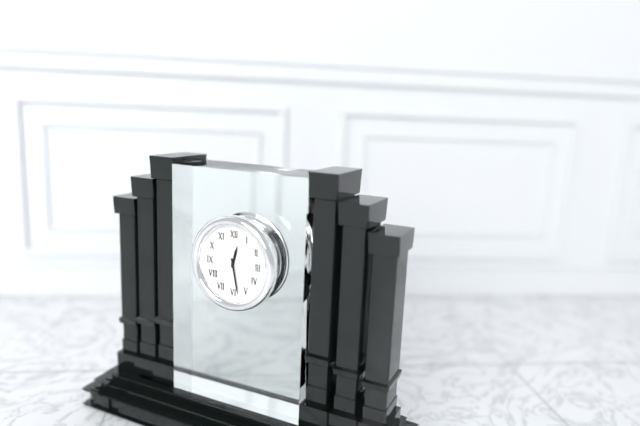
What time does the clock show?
12:28
